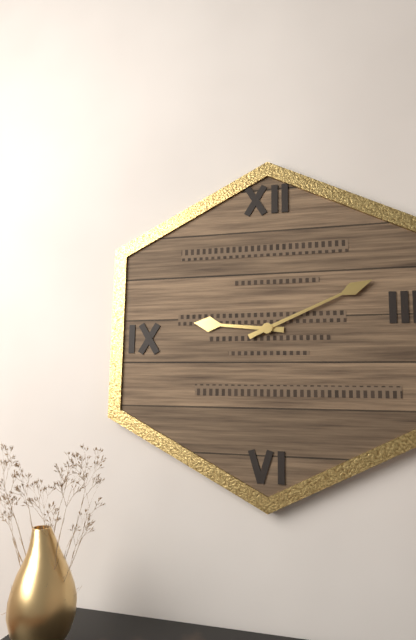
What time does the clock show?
9:11
